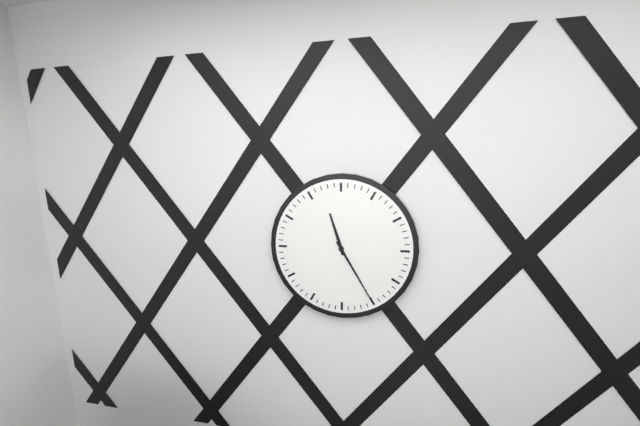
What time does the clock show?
11:25
